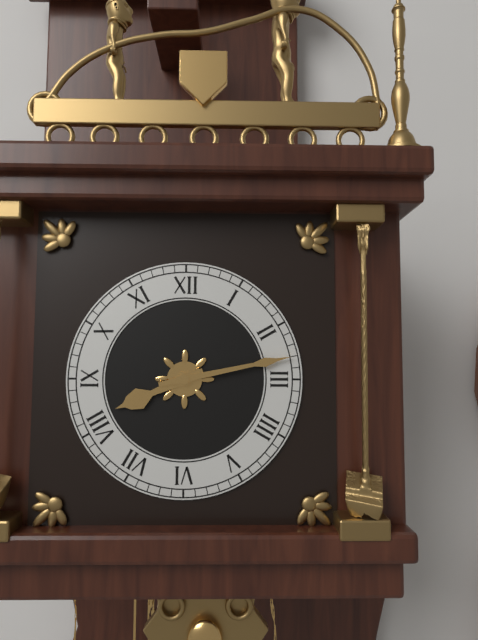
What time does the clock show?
8:13
